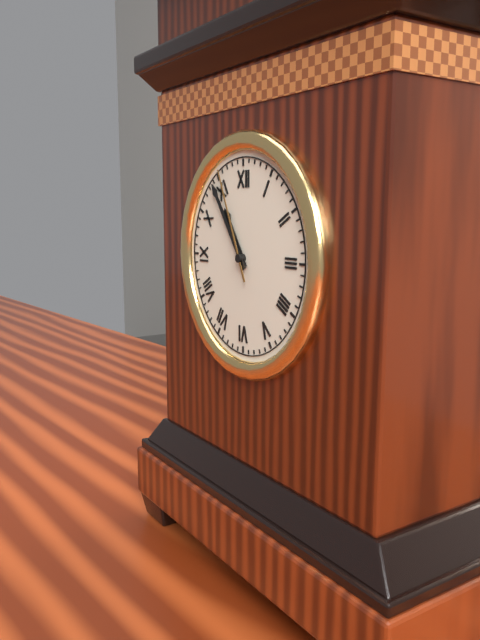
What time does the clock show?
10:54:56
